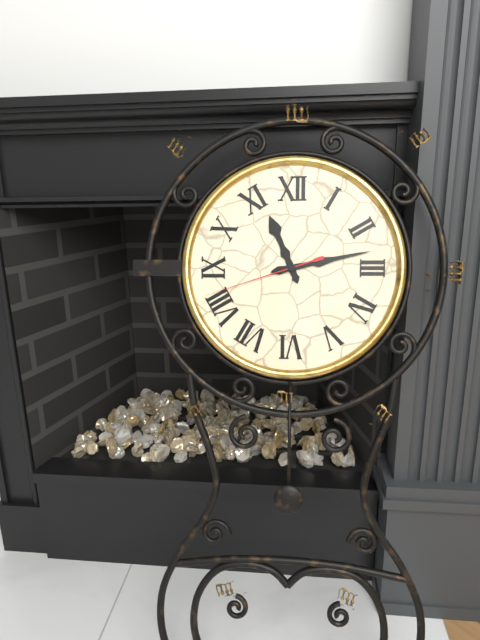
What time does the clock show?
11:13:42
